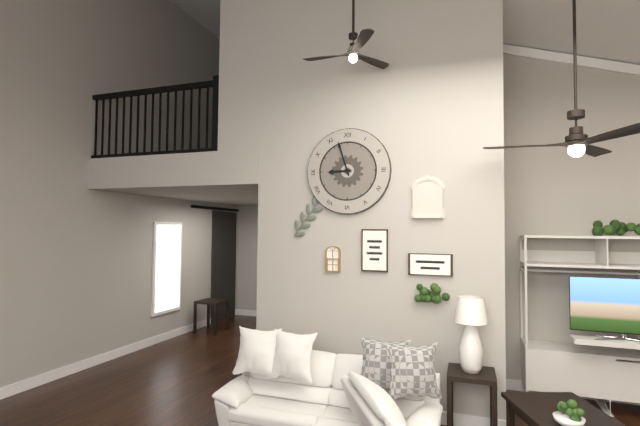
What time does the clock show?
8:57
